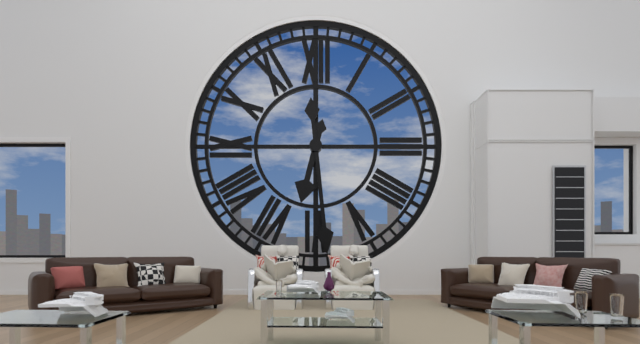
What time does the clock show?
6:29
